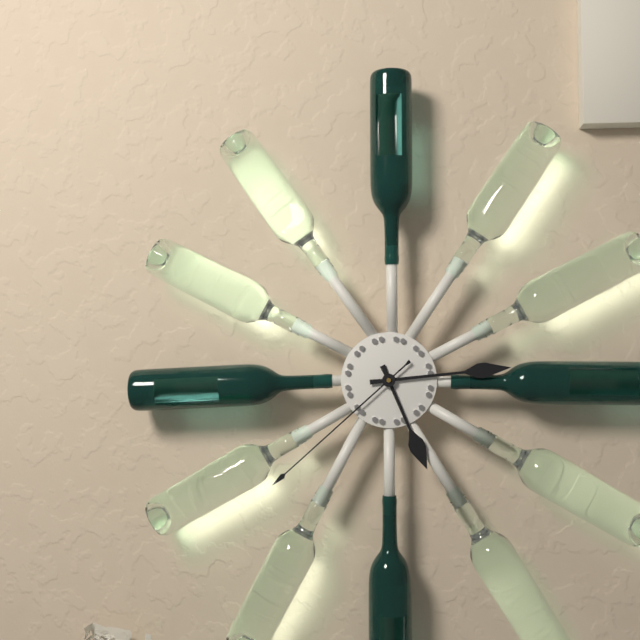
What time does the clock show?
5:14:38
